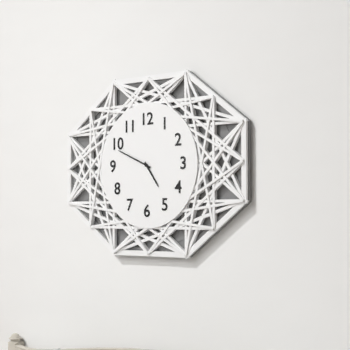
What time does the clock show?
4:49
